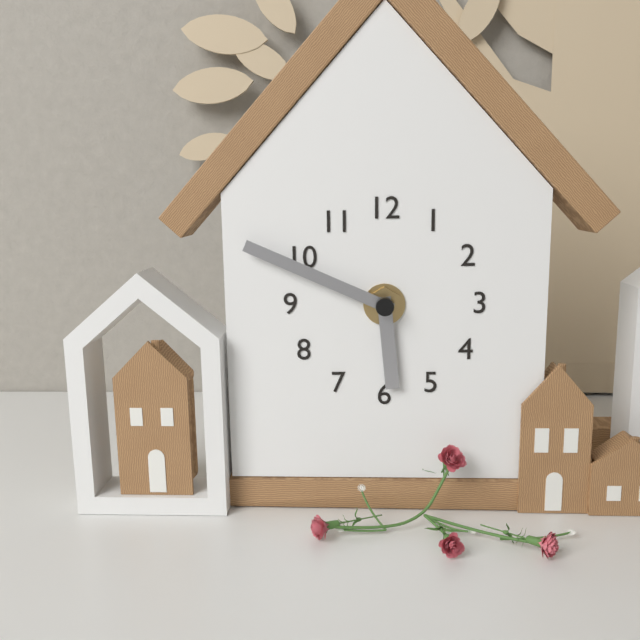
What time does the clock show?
5:49
